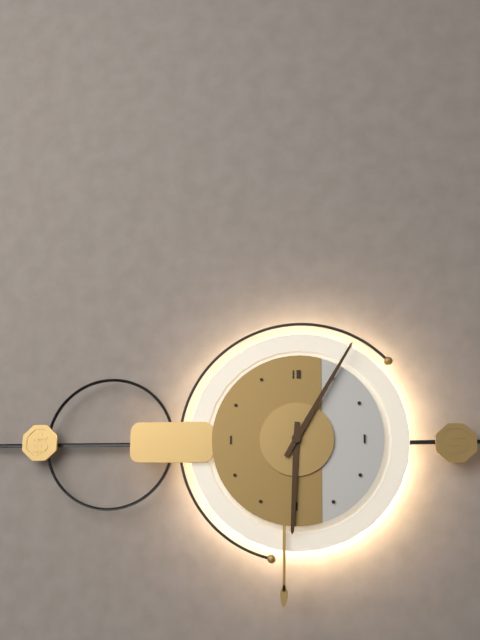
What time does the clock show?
6:05
